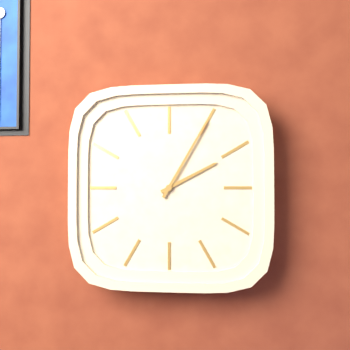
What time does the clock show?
2:05
